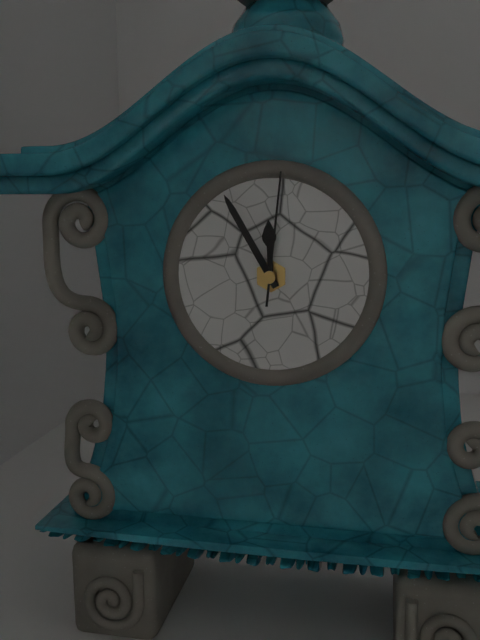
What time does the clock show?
11:55:01
